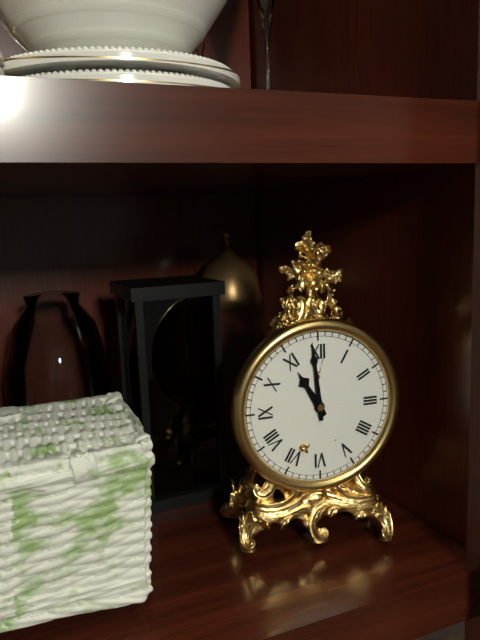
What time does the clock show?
10:59
